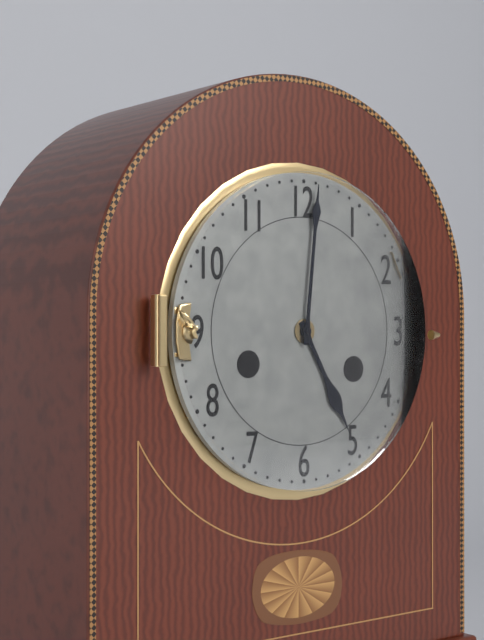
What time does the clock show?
5:01
